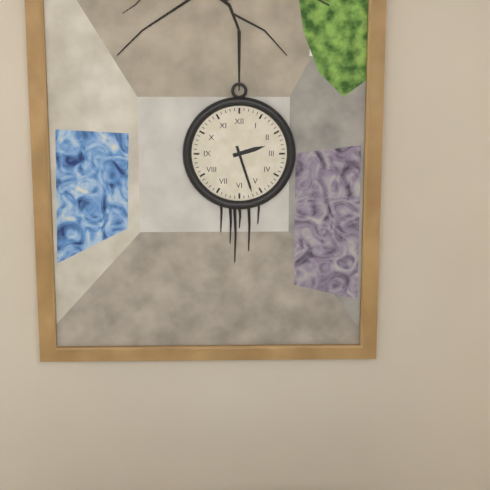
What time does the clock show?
2:27
